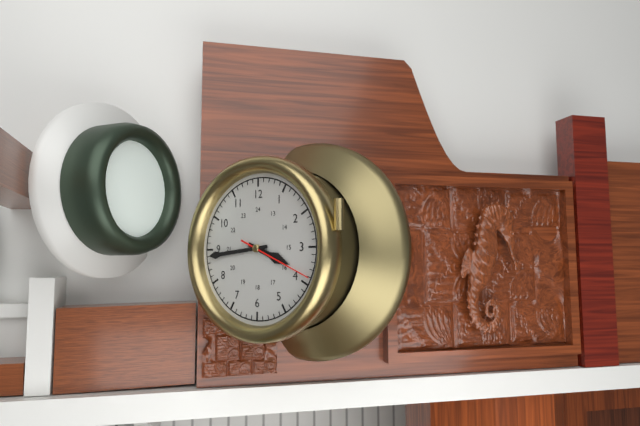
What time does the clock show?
3:44:19
